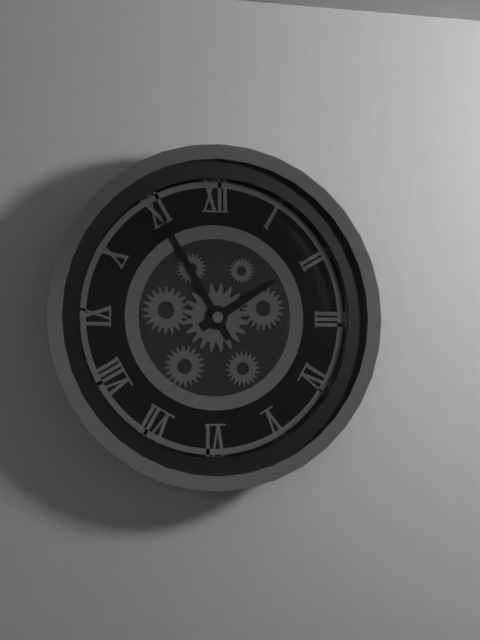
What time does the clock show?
1:55
